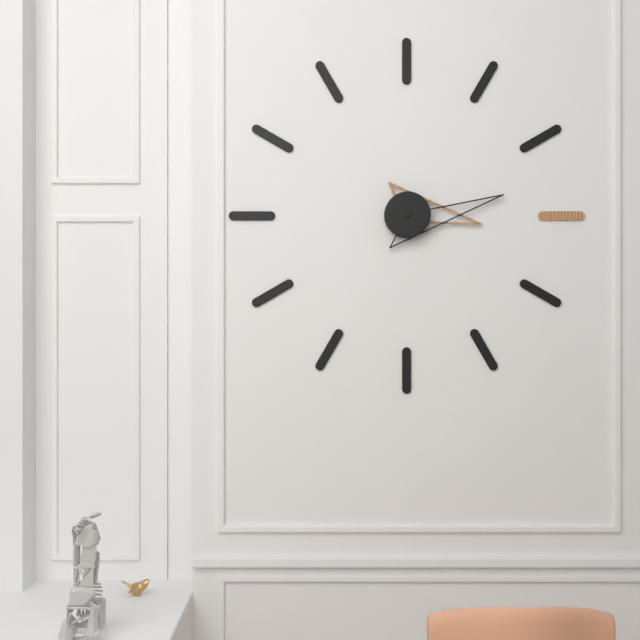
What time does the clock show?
3:13
